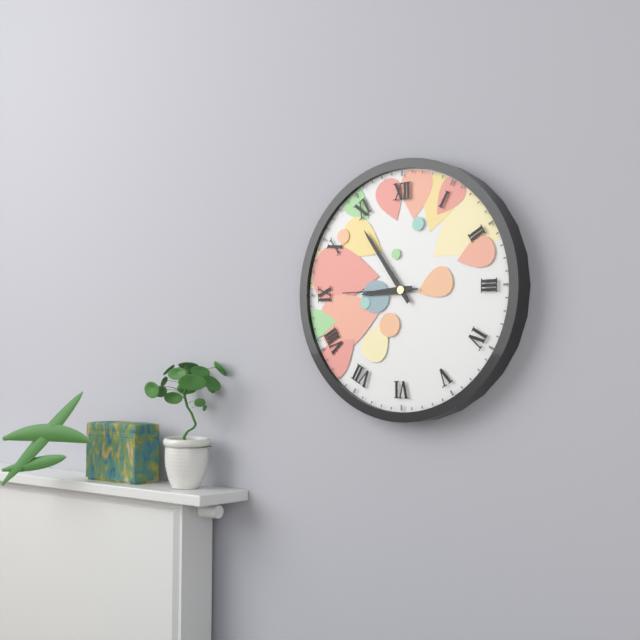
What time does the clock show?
8:54:45
